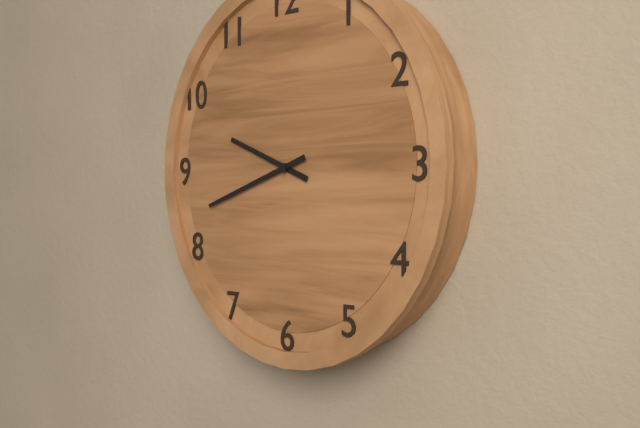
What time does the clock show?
9:42
